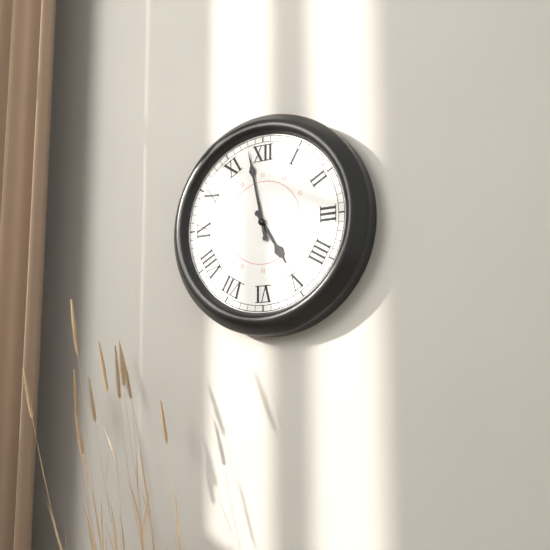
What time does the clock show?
4:58
